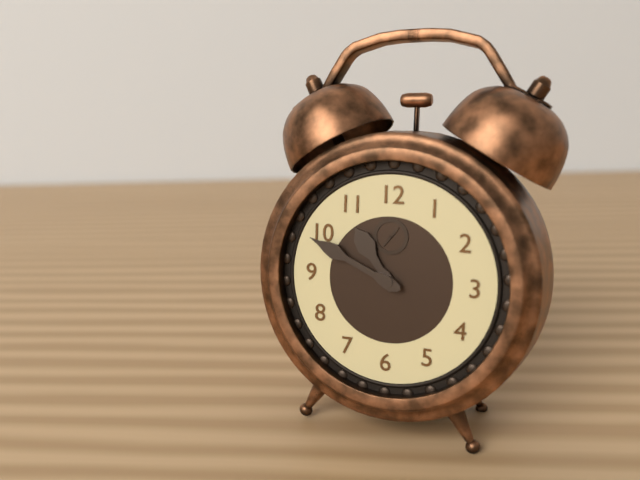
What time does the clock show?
10:49
